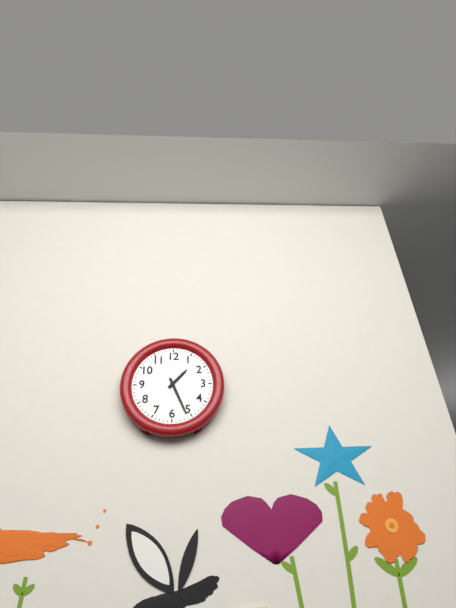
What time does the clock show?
1:26
